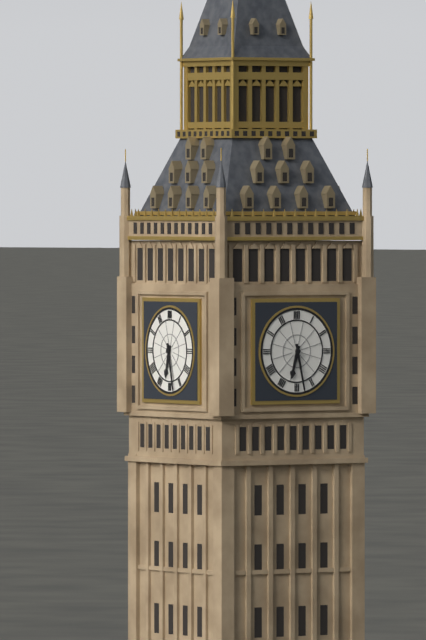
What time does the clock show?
6:28
